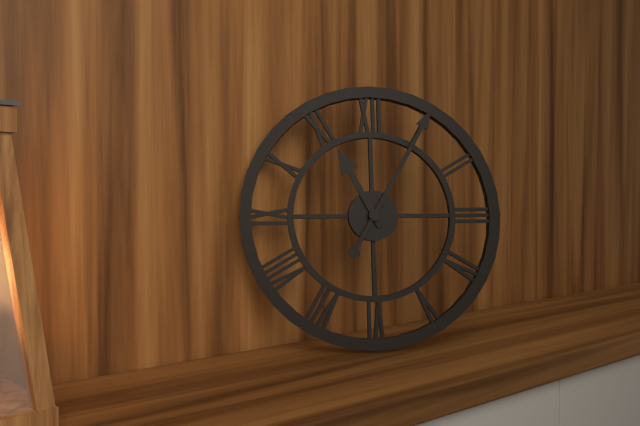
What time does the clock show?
11:05
